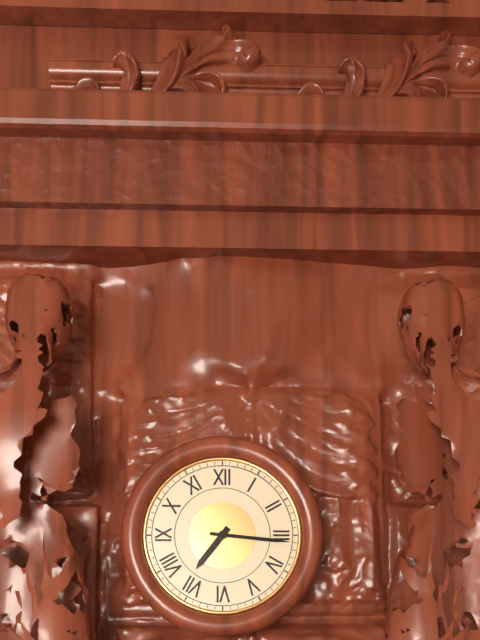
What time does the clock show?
7:16
